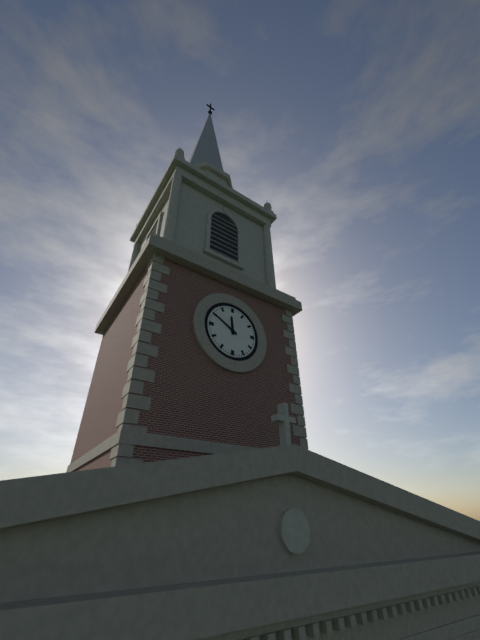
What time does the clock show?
11:50
